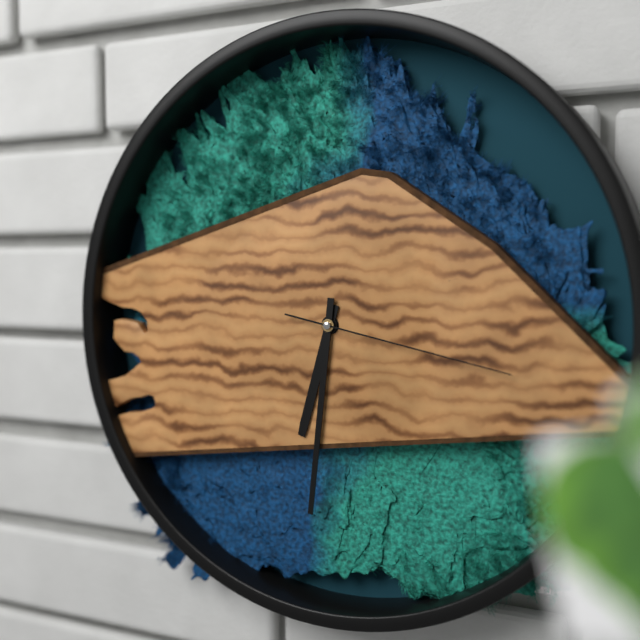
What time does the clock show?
6:31:17
